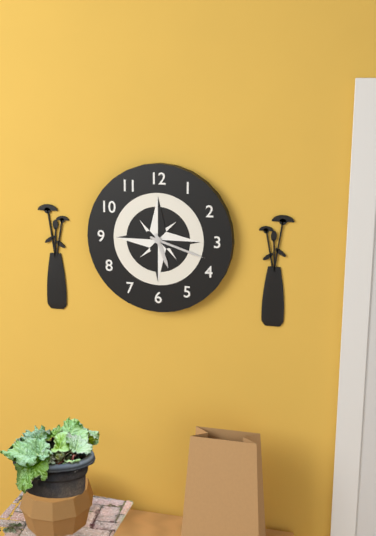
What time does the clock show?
5:18
